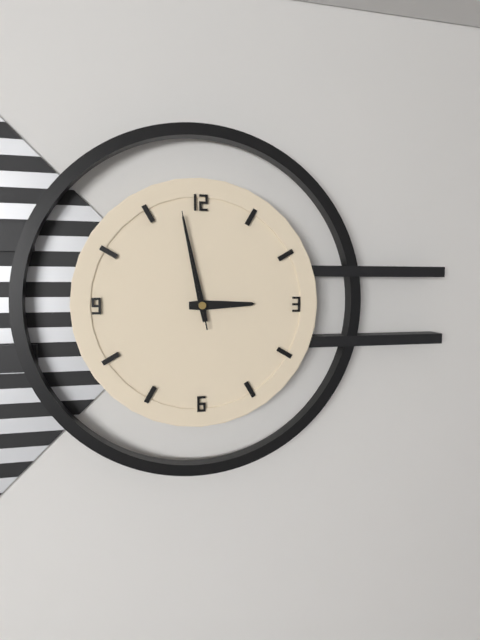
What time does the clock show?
2:58:58
